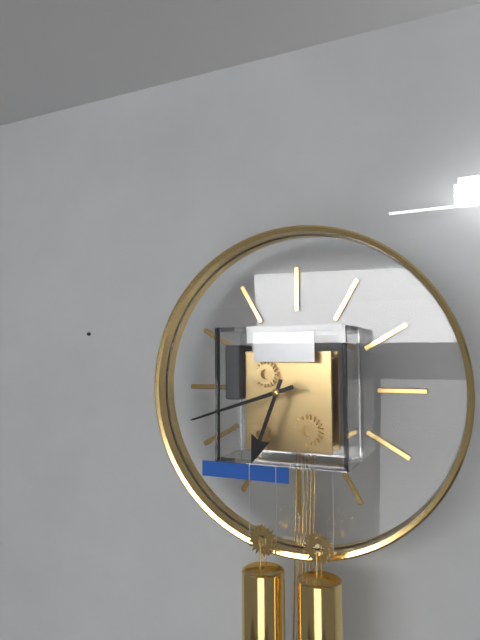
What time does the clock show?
6:42
